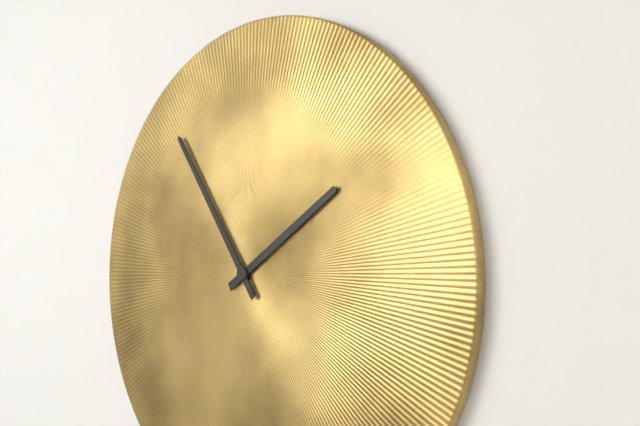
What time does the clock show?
1:54
